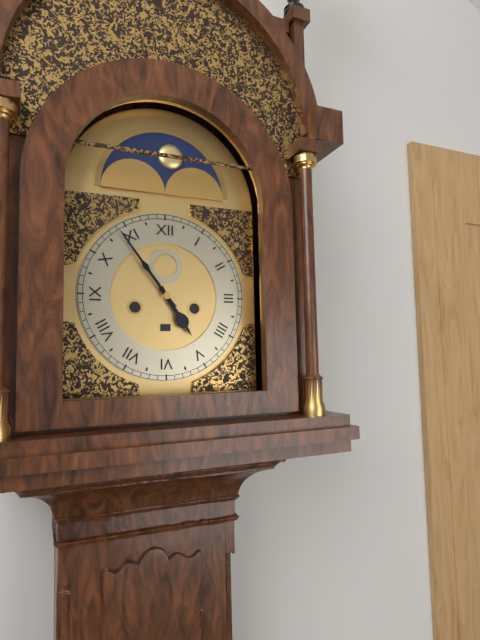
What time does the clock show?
4:54
